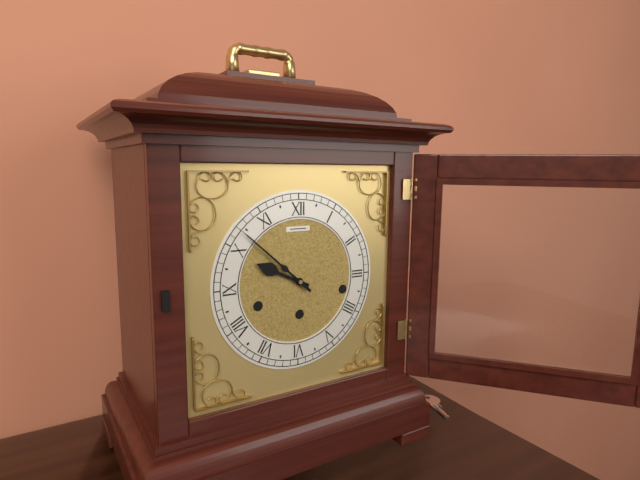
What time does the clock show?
9:52
